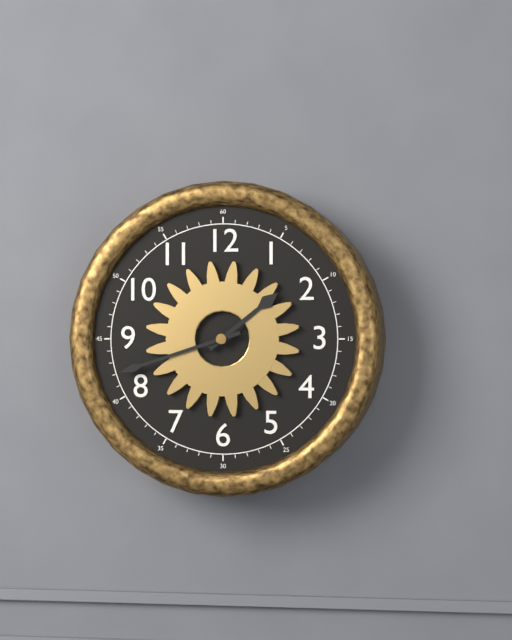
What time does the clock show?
1:42
